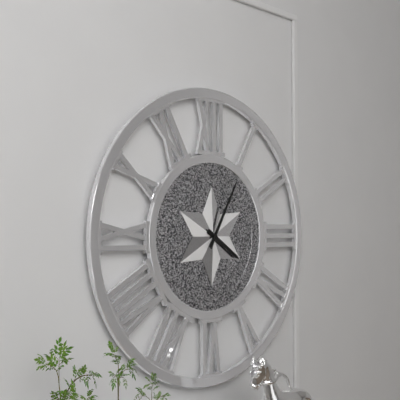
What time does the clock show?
4:05
